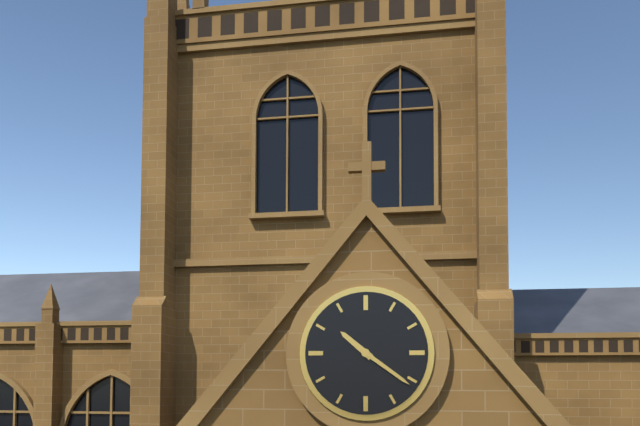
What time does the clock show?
10:21
